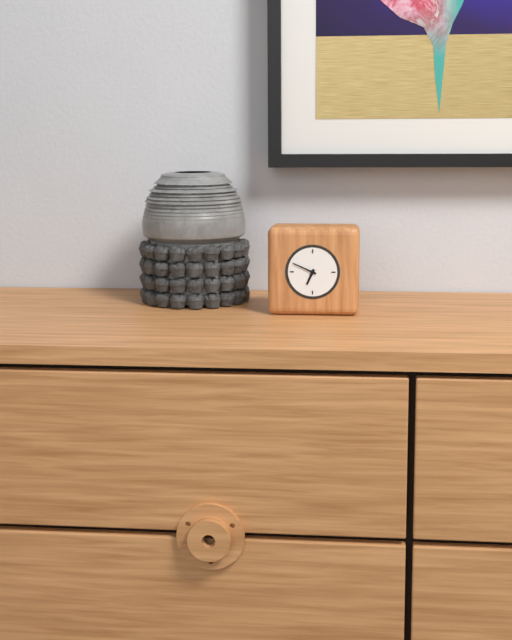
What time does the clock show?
6:49
